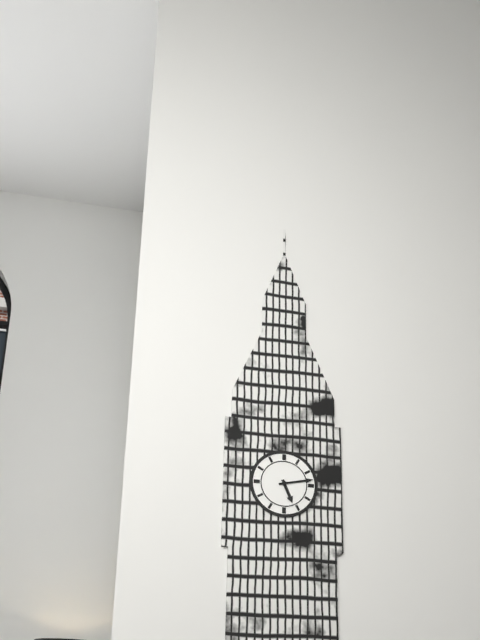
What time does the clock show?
5:13
